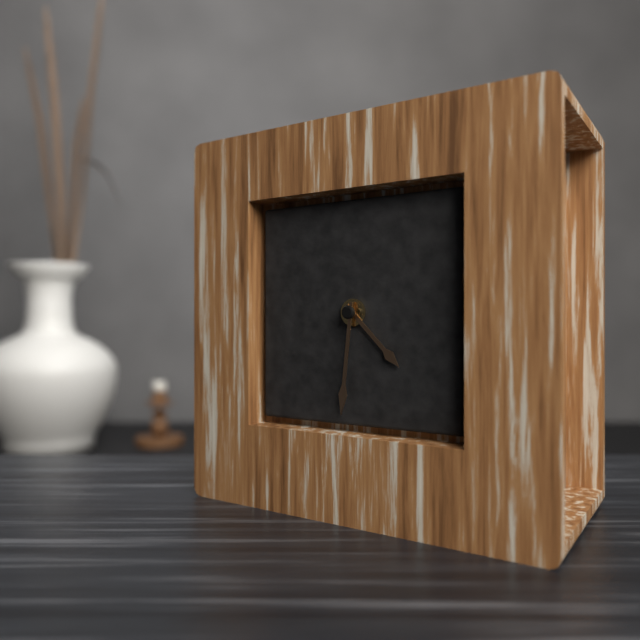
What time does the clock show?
4:31
